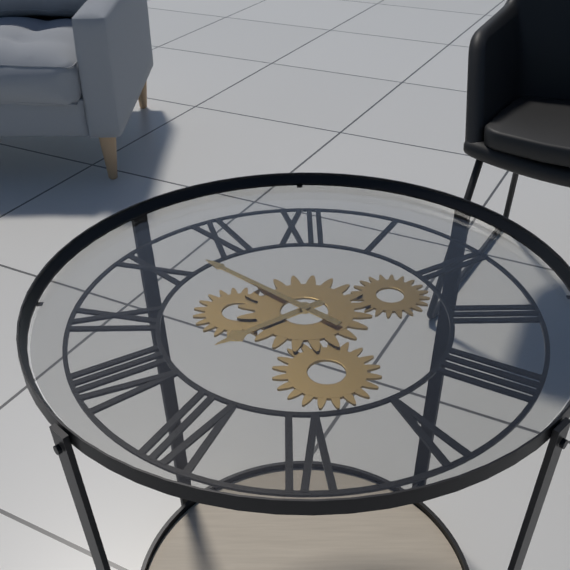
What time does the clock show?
7:52
